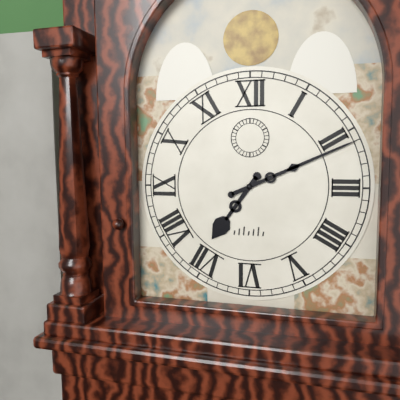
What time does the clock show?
7:11
